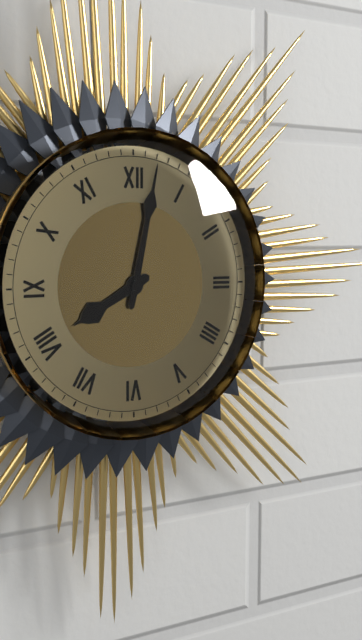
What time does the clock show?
8:02
